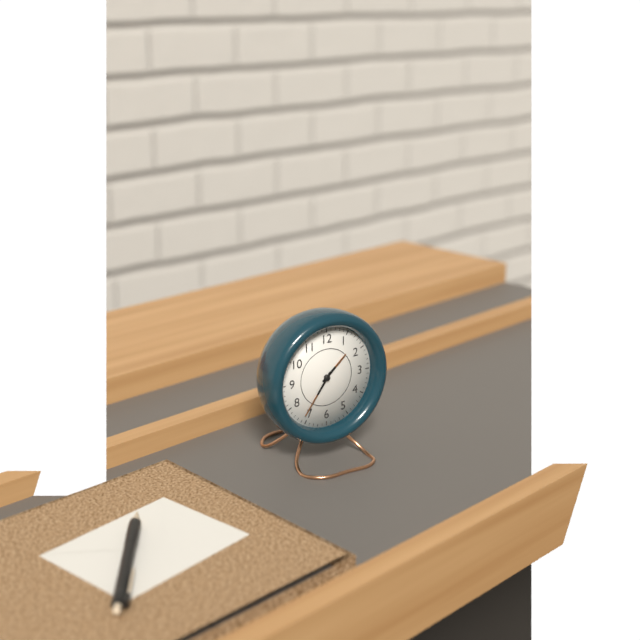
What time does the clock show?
1:36
